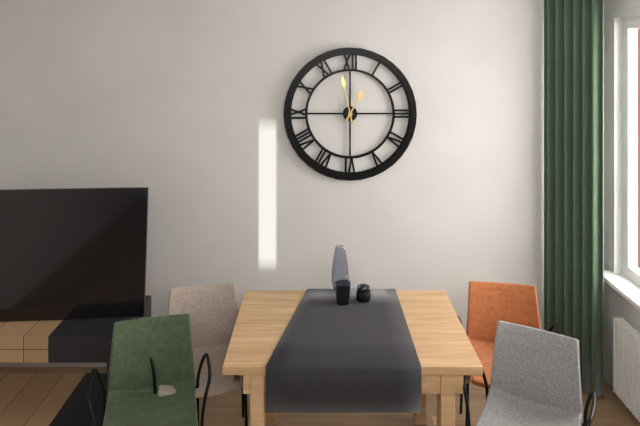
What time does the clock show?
12:58
